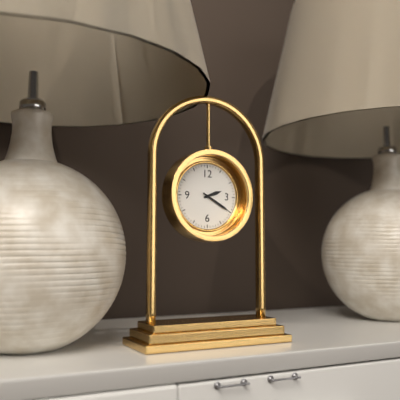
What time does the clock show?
2:20
